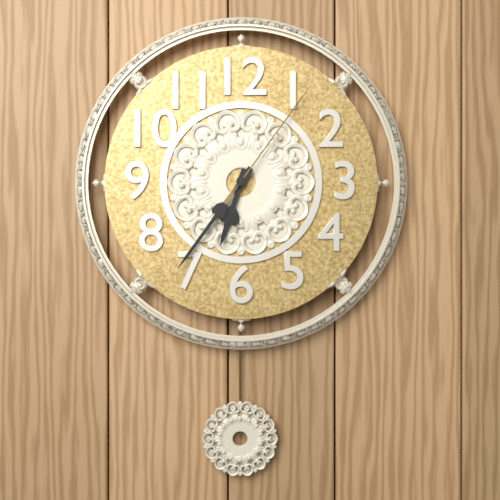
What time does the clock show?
6:36:06
